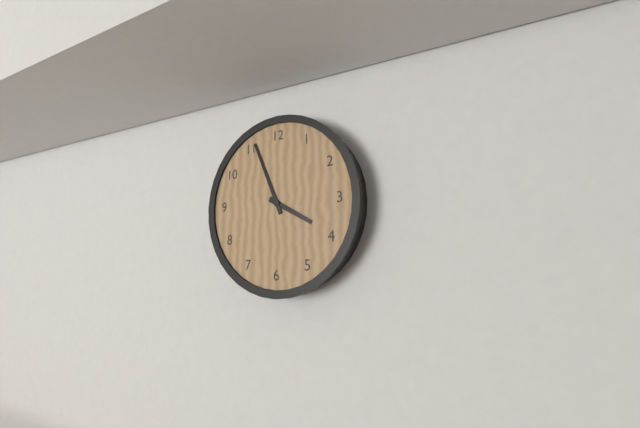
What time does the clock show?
3:56
